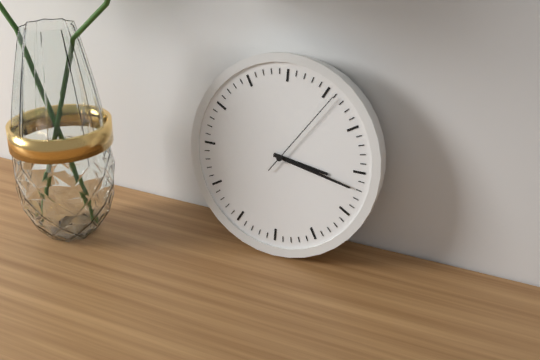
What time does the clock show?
3:17:06
